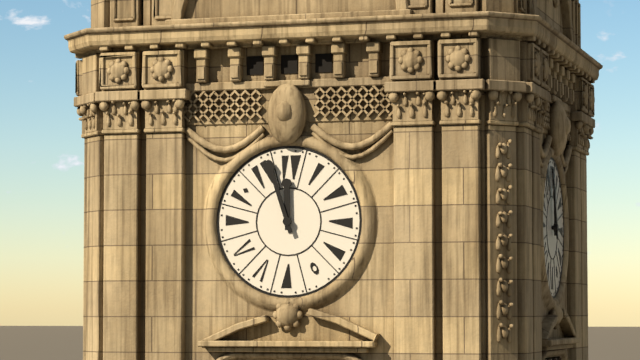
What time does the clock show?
11:57
